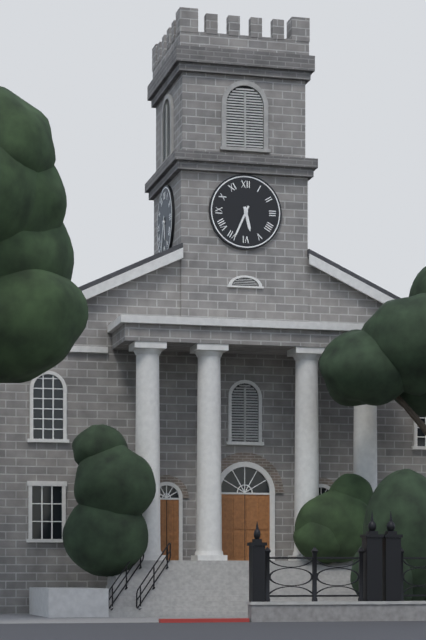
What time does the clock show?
5:34
